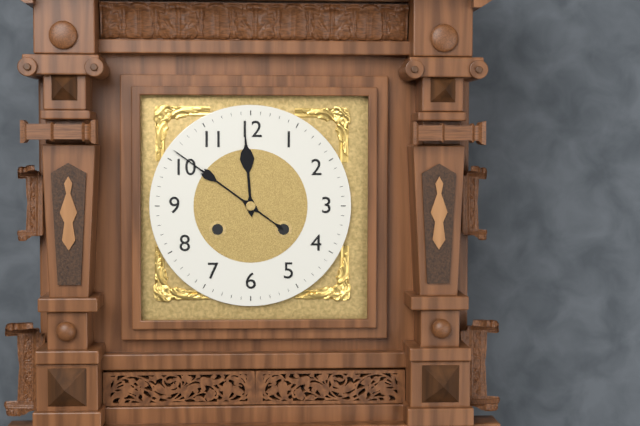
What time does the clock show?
11:51
